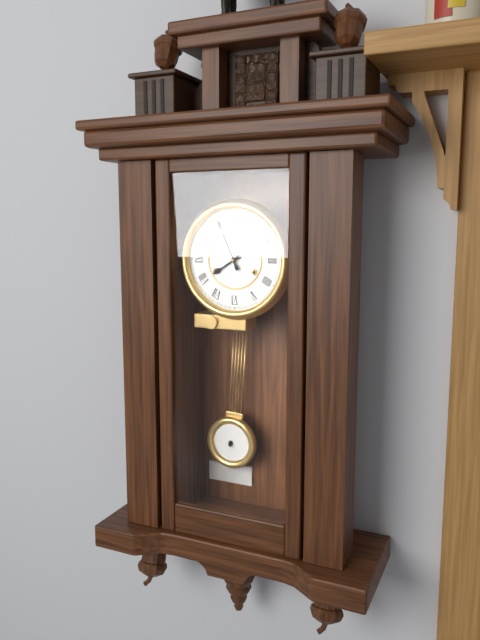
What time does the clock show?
7:56
